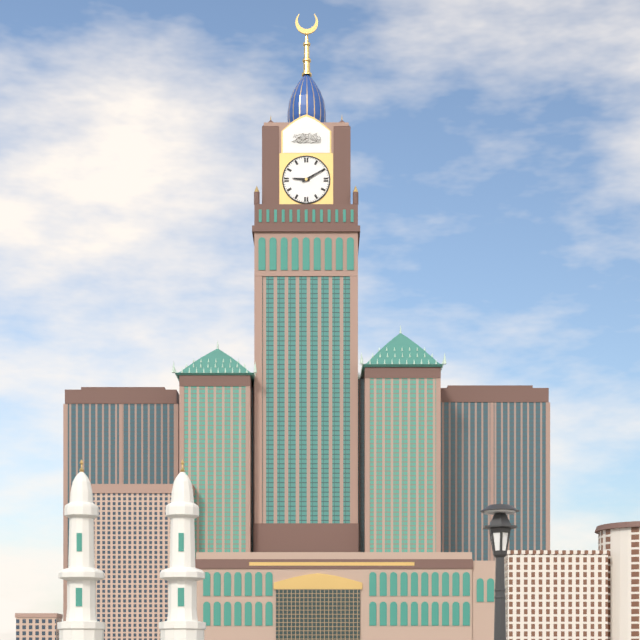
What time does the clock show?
9:10
